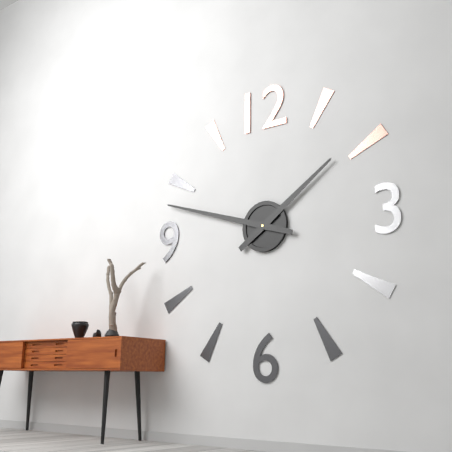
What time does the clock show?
1:48
